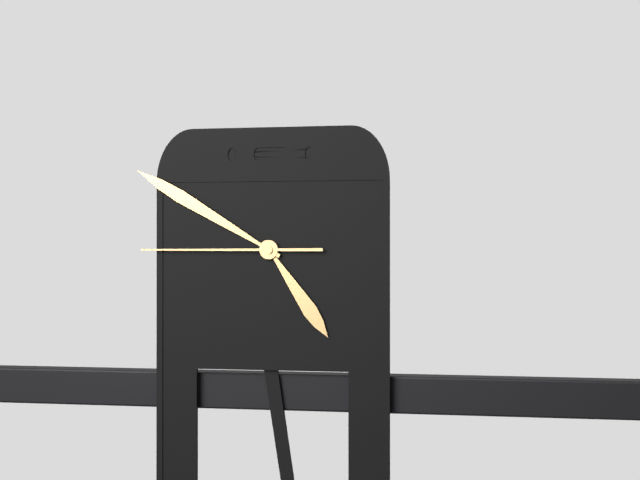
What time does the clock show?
4:50:45
